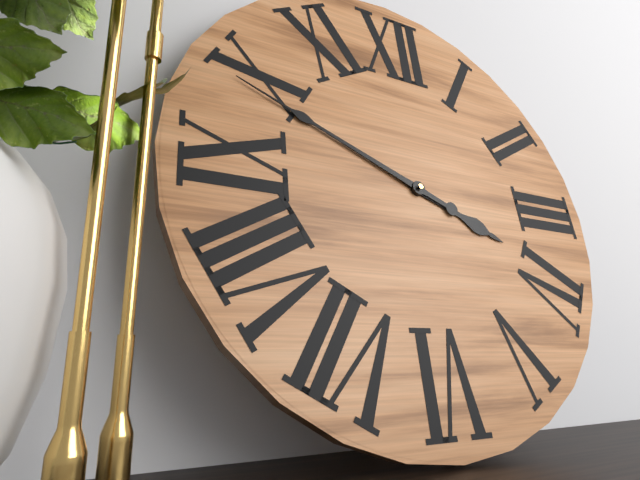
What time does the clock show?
3:49
